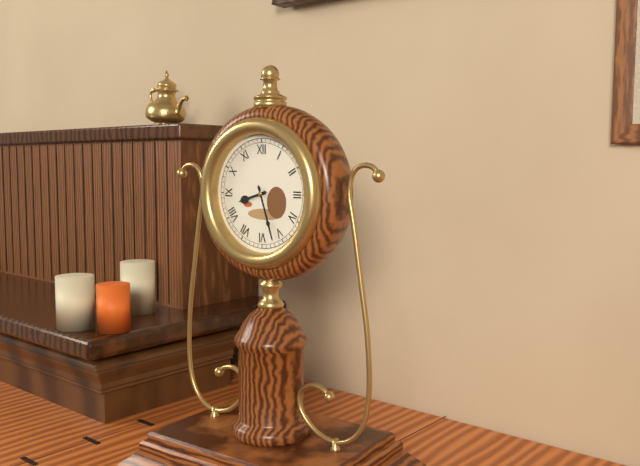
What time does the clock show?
8:27
